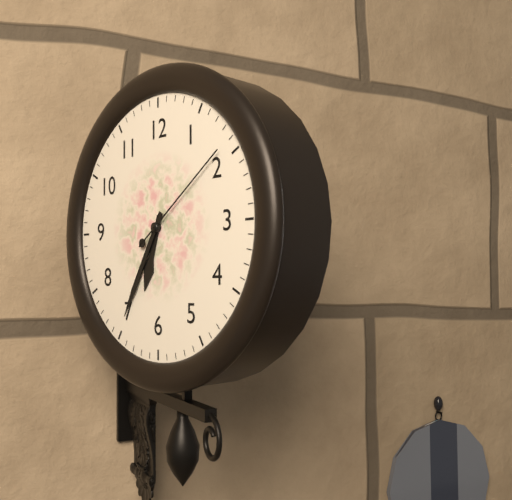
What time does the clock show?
6:35:09
